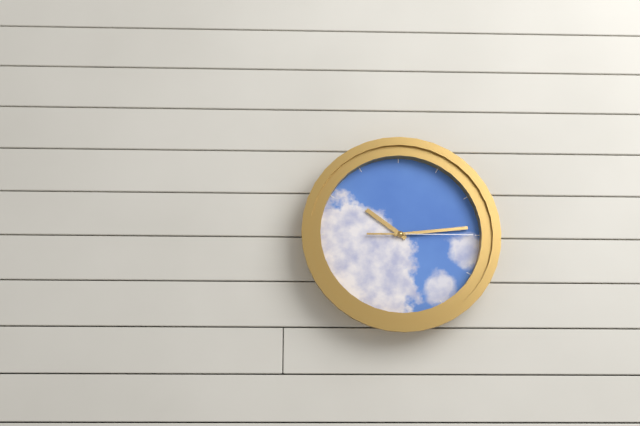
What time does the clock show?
10:14:15
